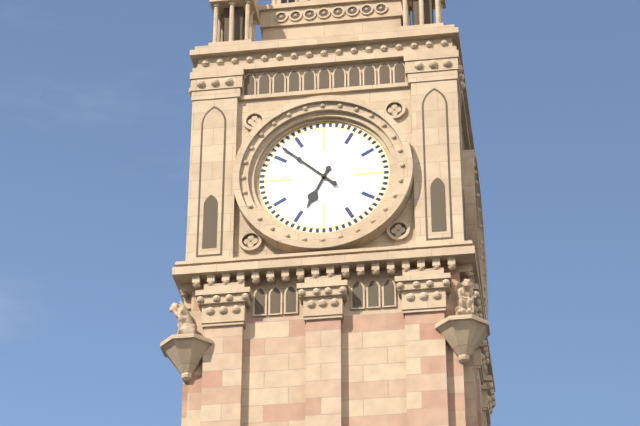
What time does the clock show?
6:52
